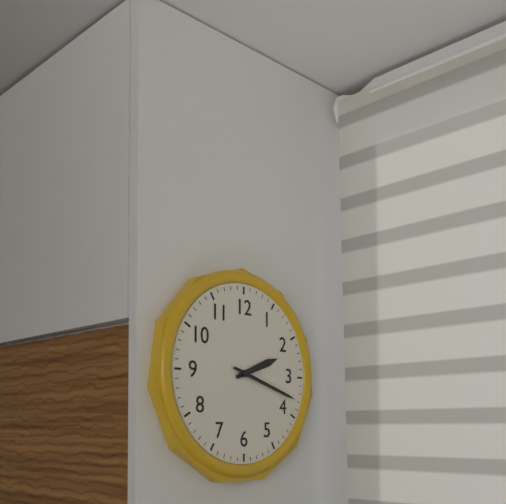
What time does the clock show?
2:18
